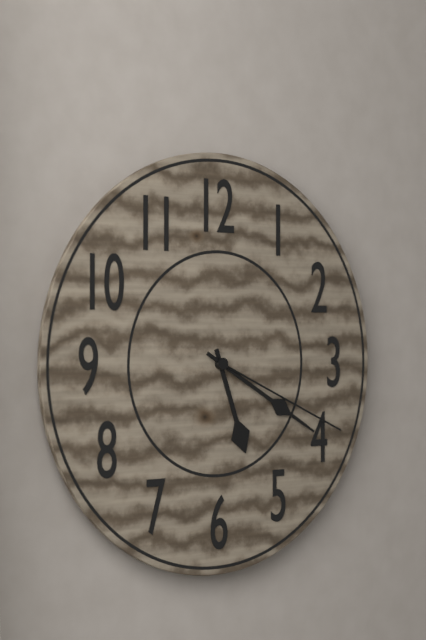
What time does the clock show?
5:20:19
